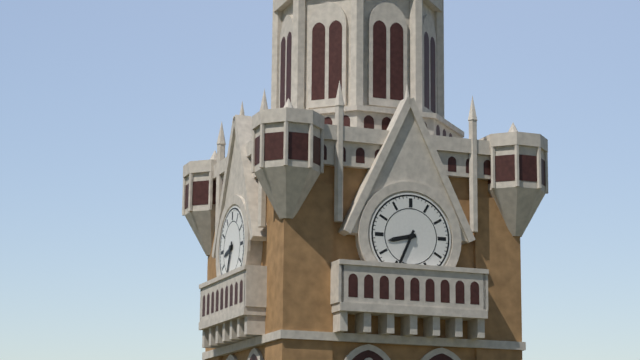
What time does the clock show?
8:34
